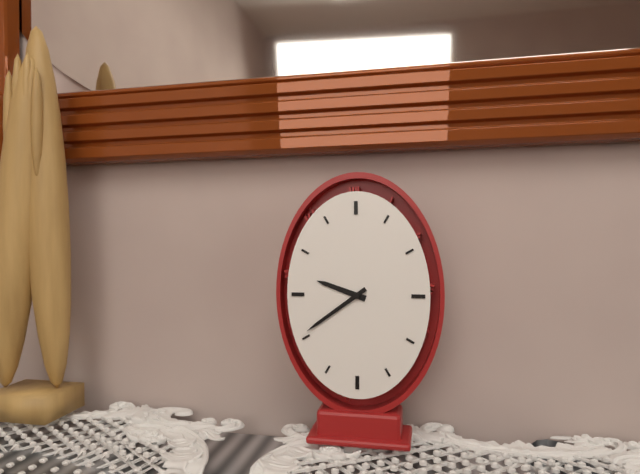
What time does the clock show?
9:39
